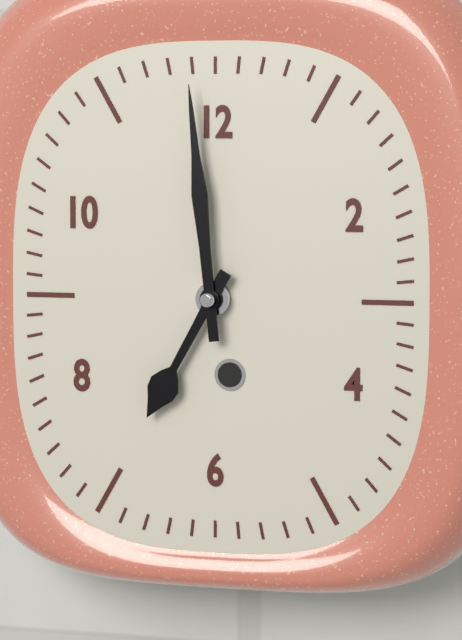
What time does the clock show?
6:59
